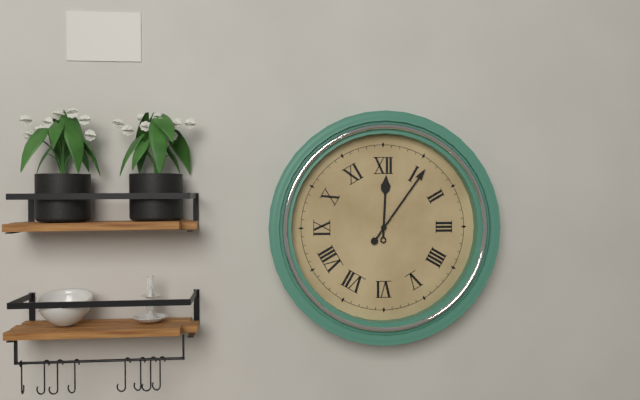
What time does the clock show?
12:06
